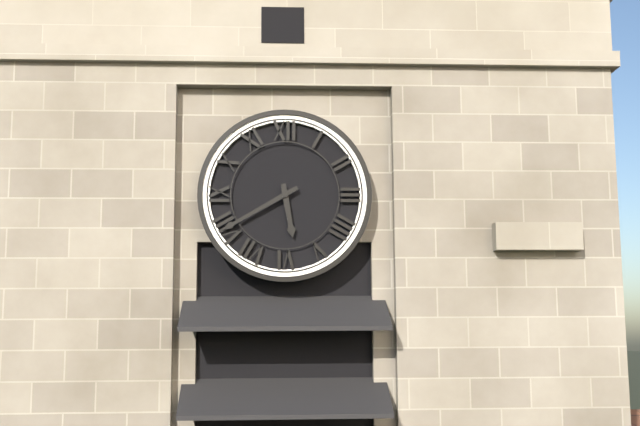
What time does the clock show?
5:40
